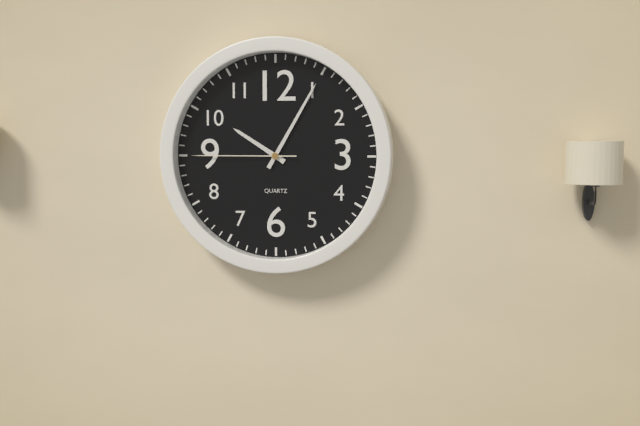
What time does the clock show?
10:05:45
